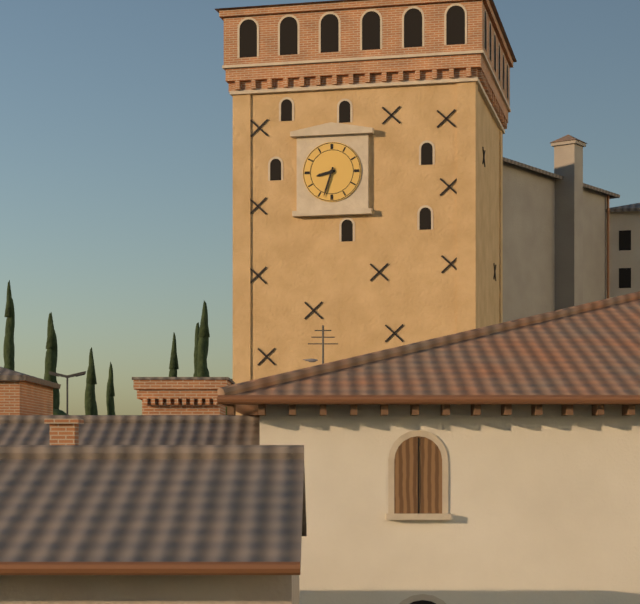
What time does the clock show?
8:33
